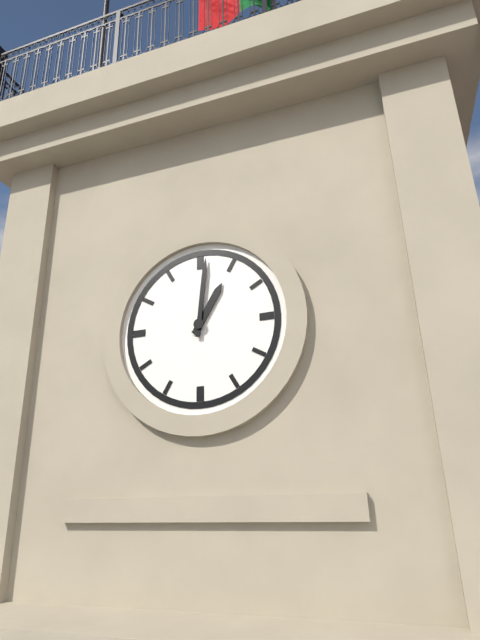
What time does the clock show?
1:01
